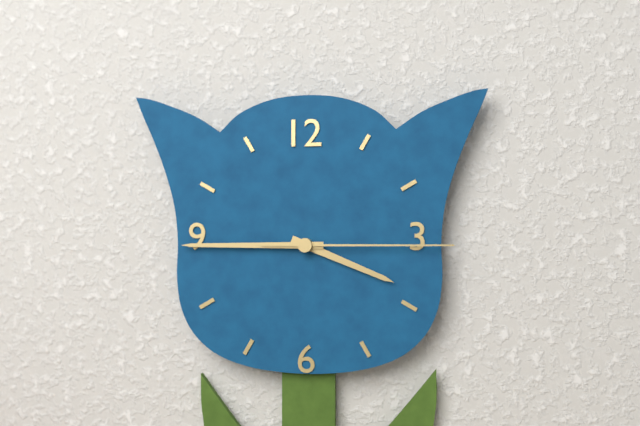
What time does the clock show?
3:45:15
